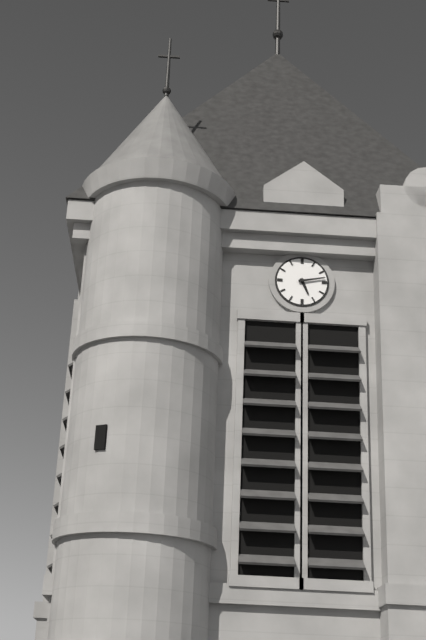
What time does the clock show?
5:13
